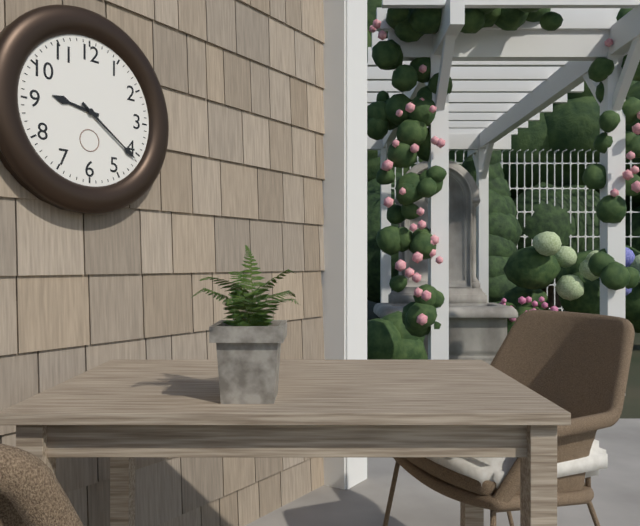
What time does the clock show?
9:21
